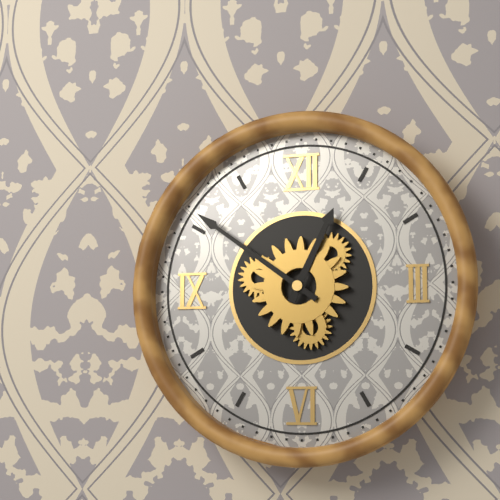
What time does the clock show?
12:51
